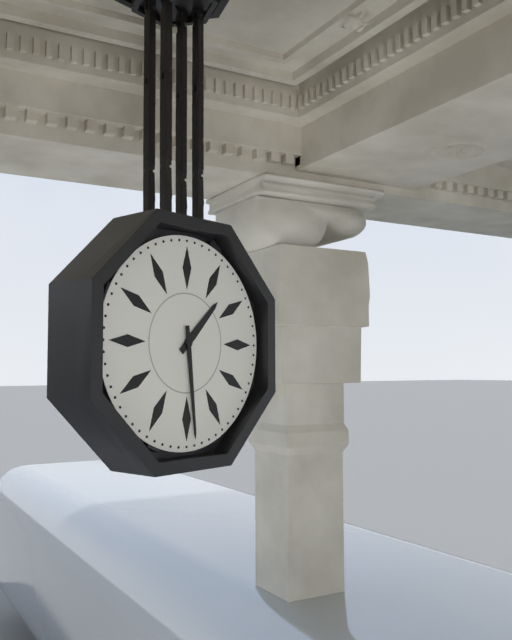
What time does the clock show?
1:29
